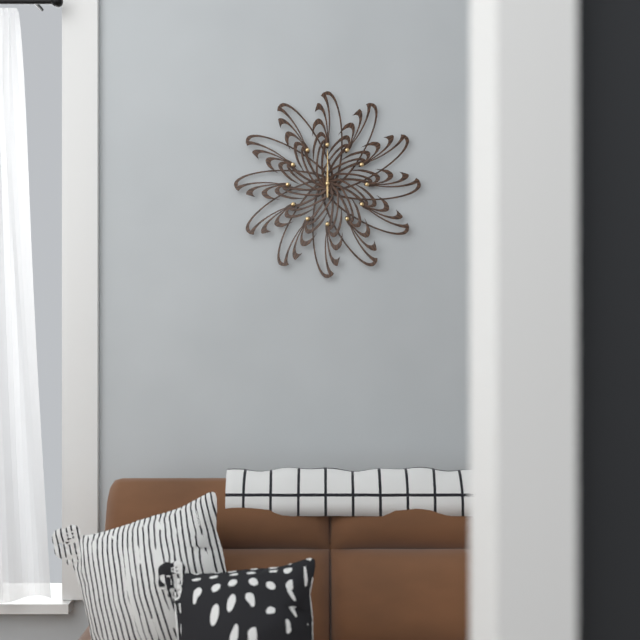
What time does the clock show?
12:00
